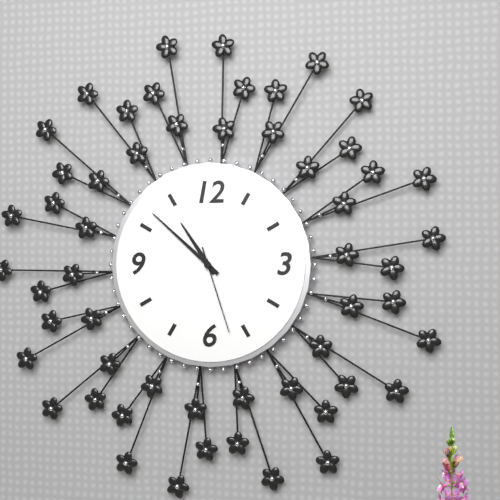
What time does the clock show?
10:52:27
